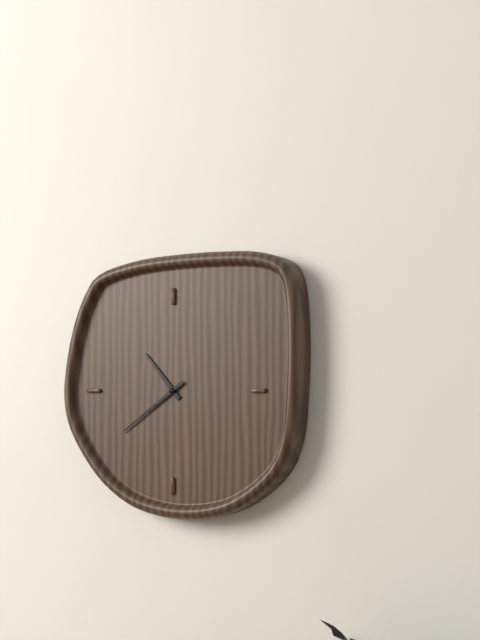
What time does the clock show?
10:39
